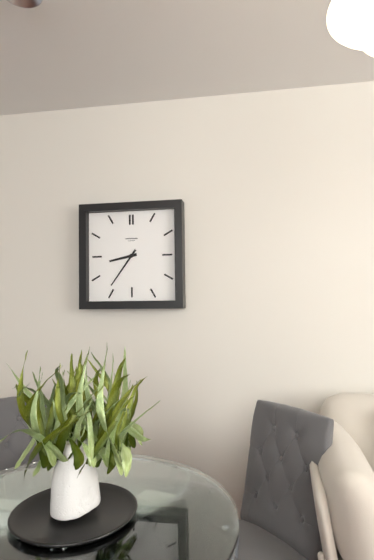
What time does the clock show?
8:36
